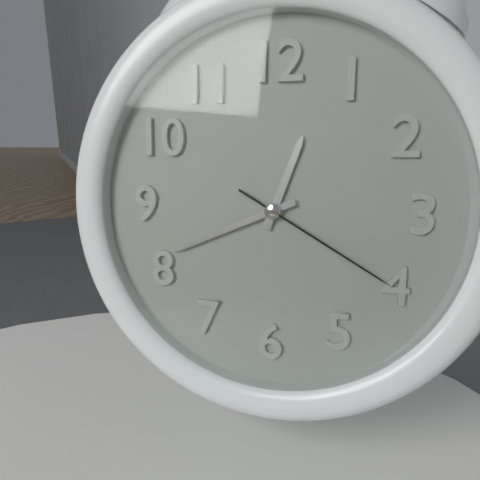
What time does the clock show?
12:41:20
